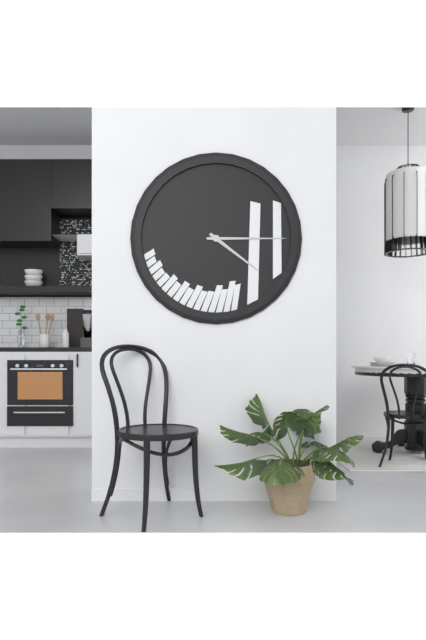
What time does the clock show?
4:15
